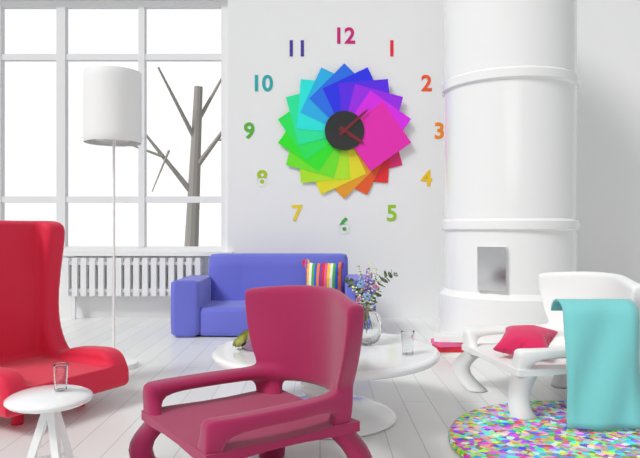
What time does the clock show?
4:08
